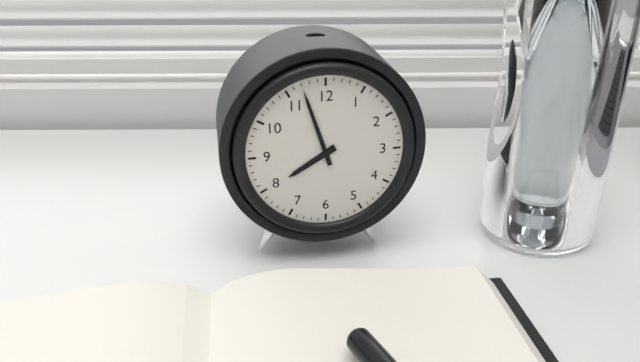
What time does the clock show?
7:57
